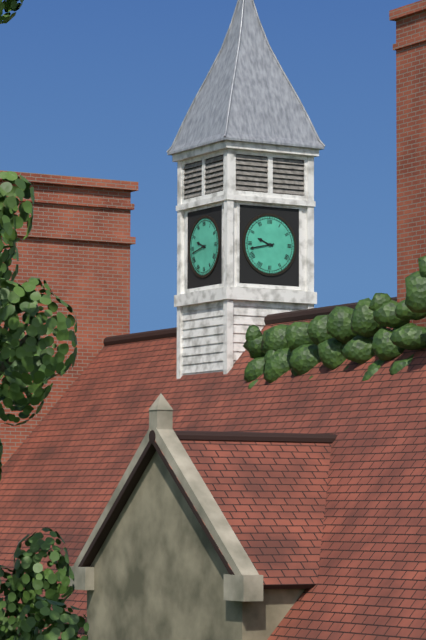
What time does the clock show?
9:43
